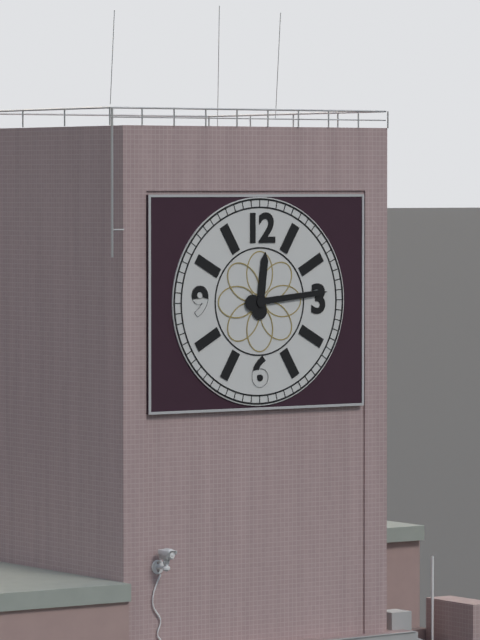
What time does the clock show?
12:14
